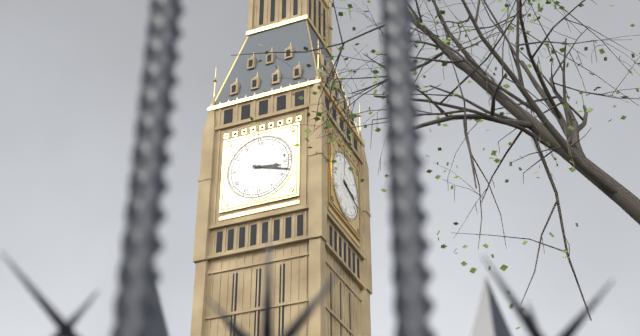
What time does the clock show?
3:18
